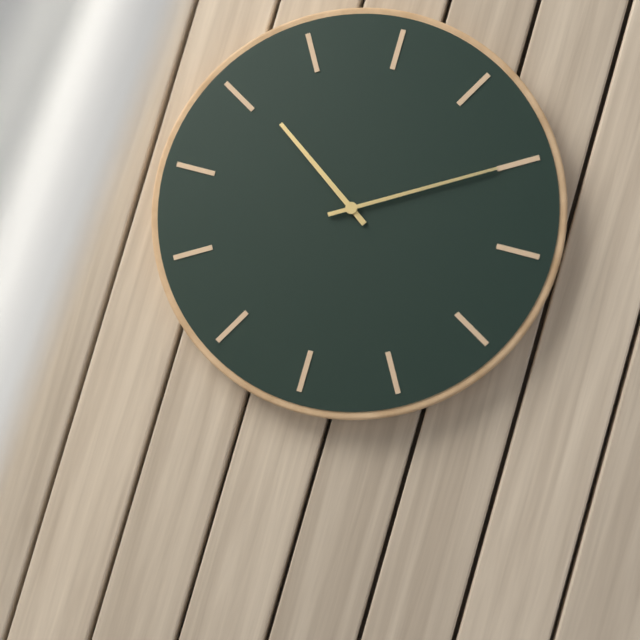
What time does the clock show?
10:10
